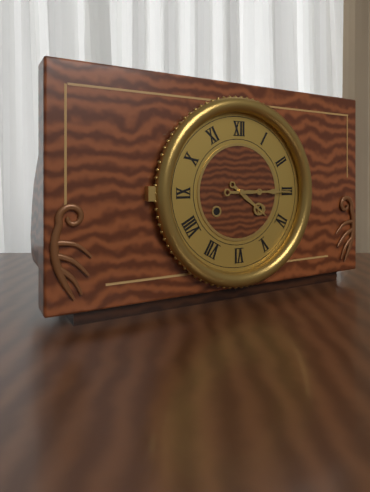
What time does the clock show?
4:15
